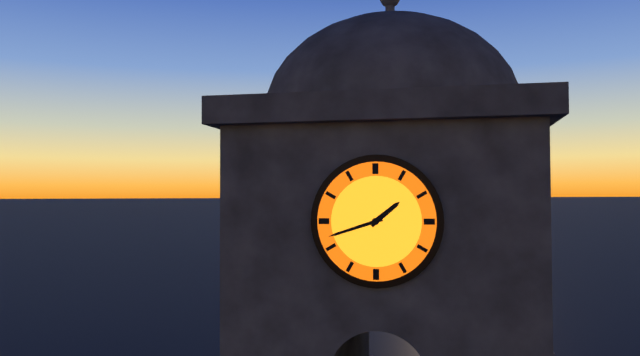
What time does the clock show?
1:42
